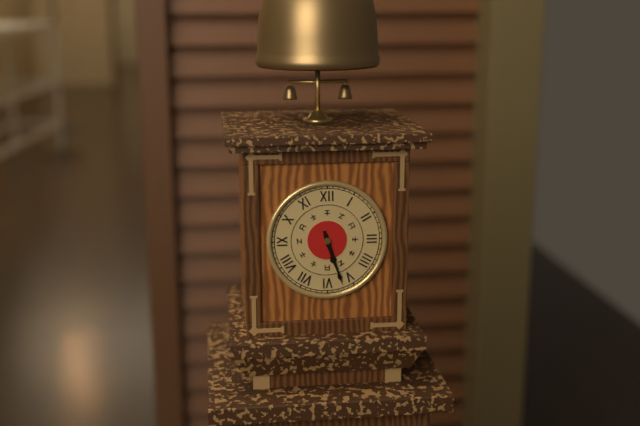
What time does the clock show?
5:27
